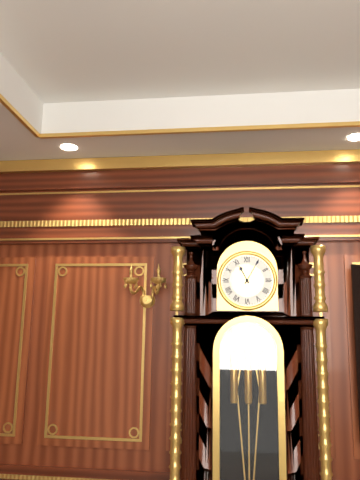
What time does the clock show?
11:05
